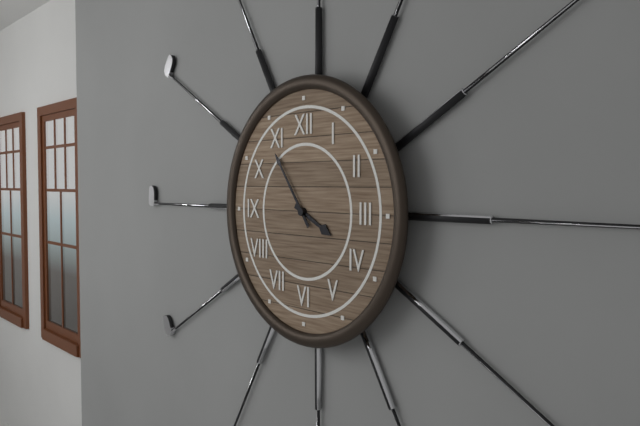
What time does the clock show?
3:54
